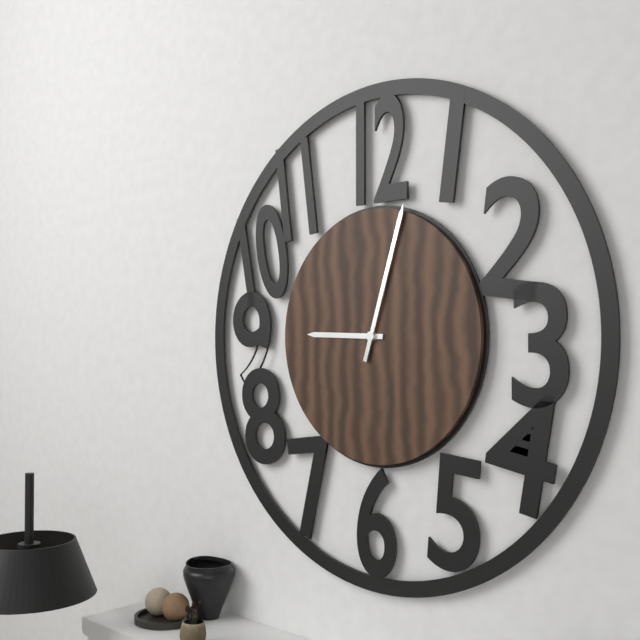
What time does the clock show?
9:03
